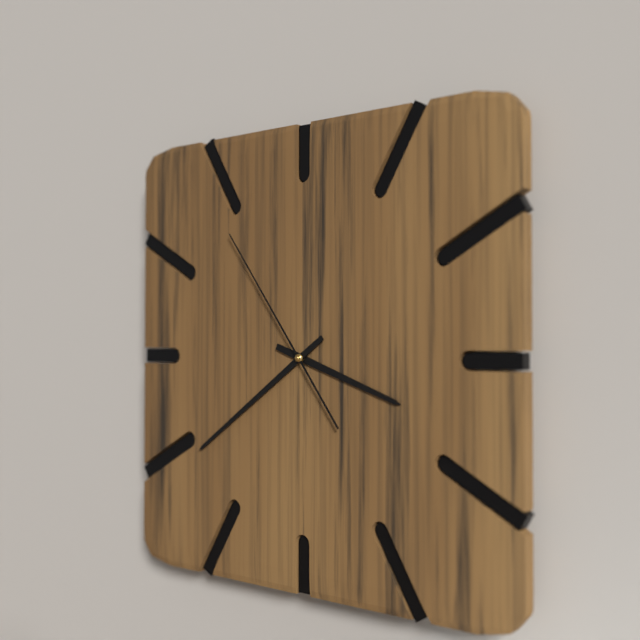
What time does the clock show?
3:39:54
